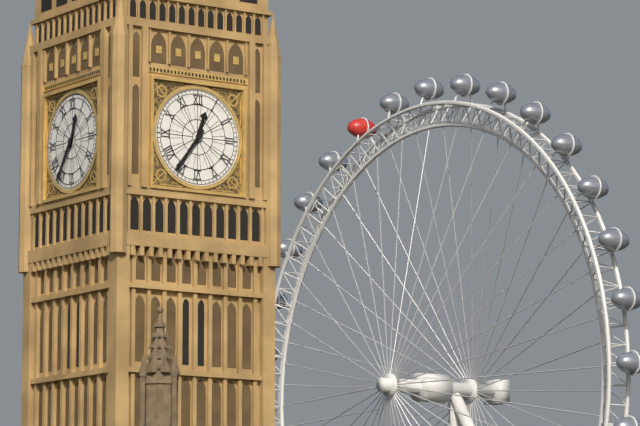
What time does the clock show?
12:36
